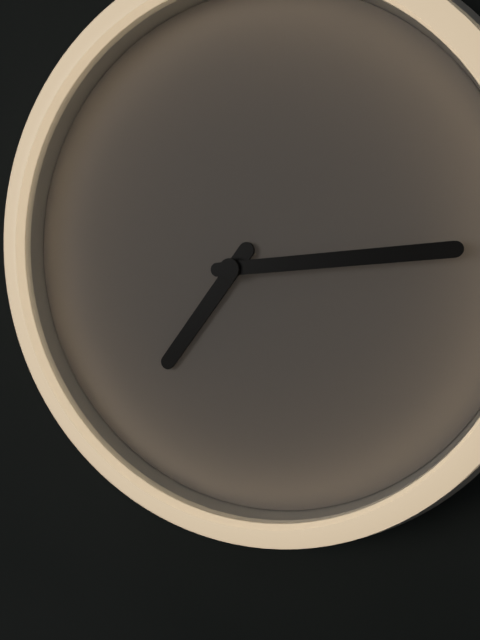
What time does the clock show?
7:14
